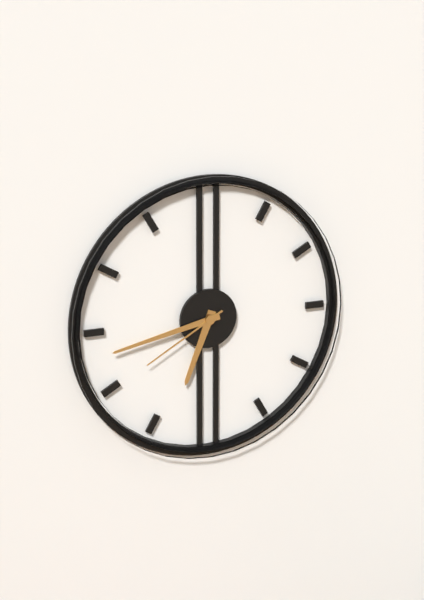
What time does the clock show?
6:43:40
